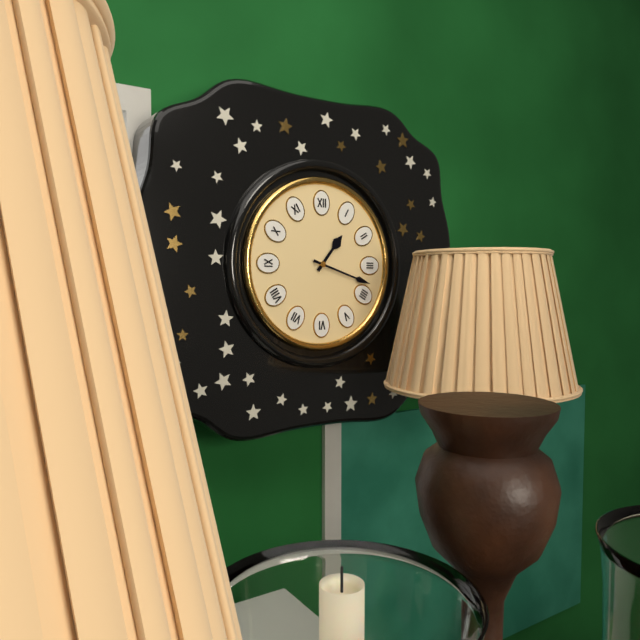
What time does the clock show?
1:18
